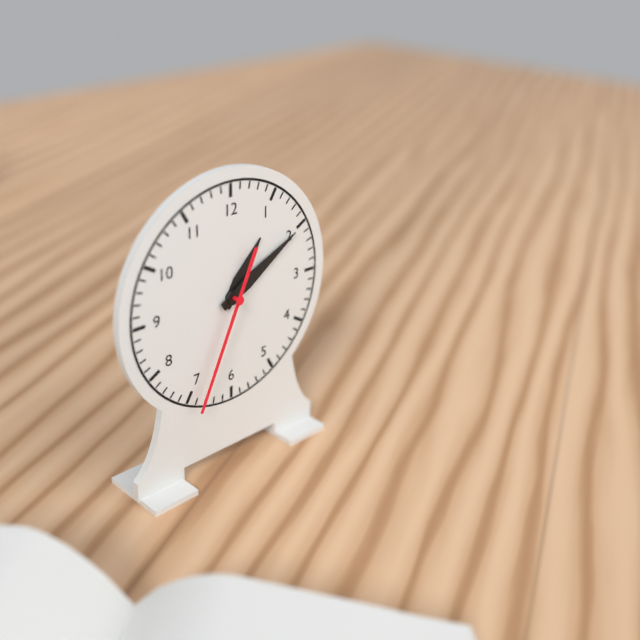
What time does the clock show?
1:10:34
